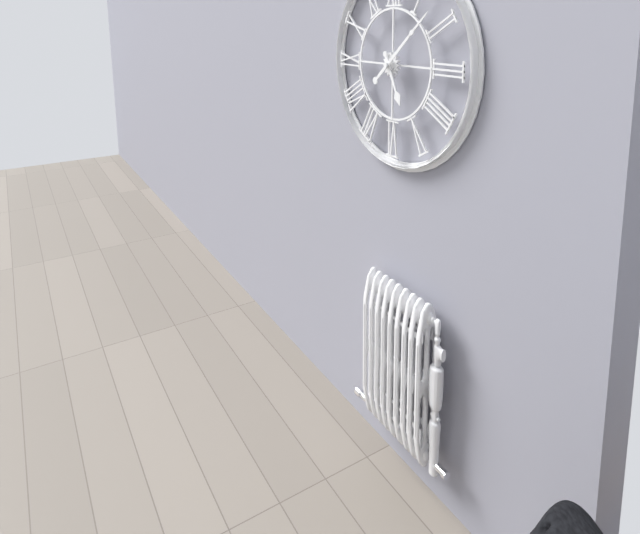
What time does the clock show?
5:08
